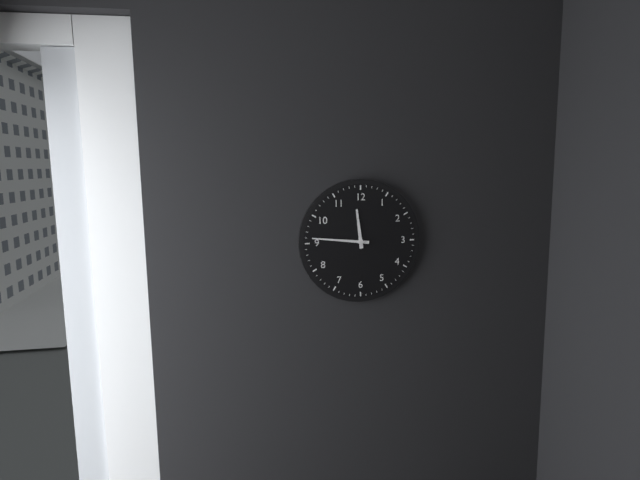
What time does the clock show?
11:46
